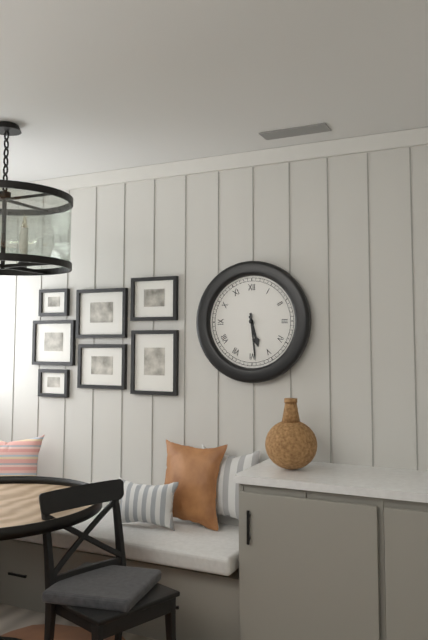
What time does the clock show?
5:29
